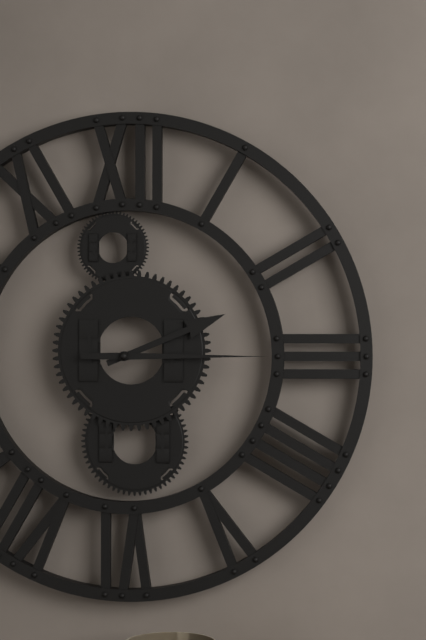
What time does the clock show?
2:15
